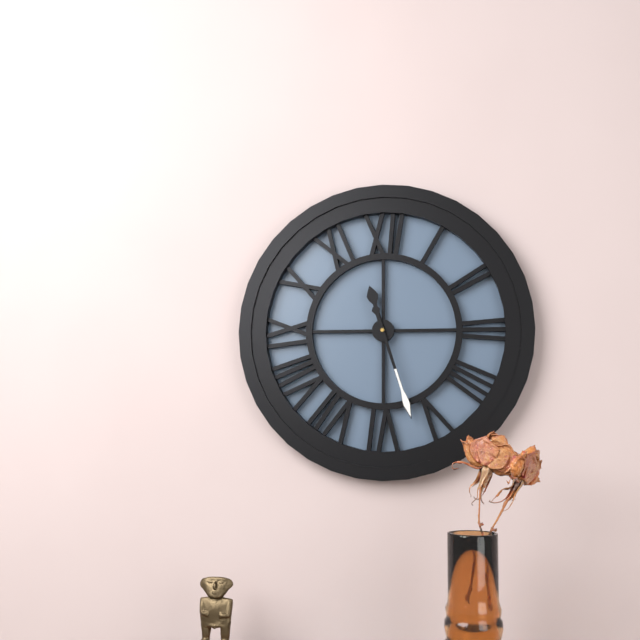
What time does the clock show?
11:27
